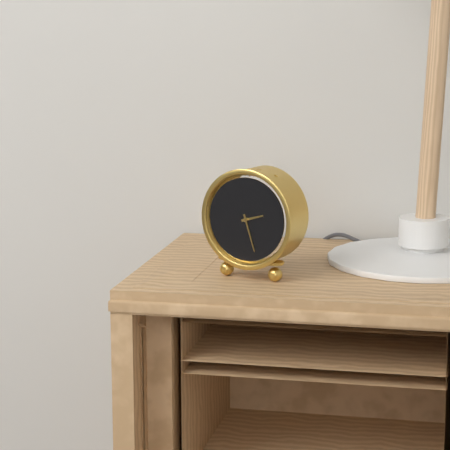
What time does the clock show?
2:27
